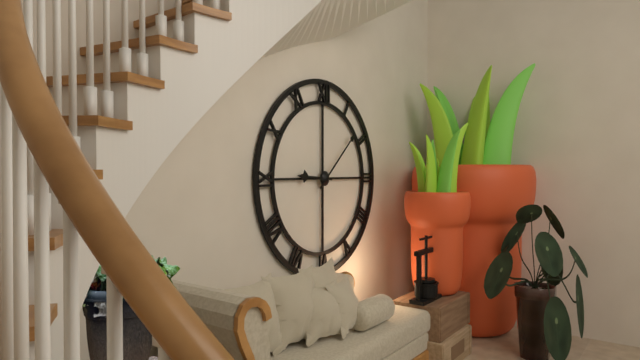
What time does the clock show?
9:08
